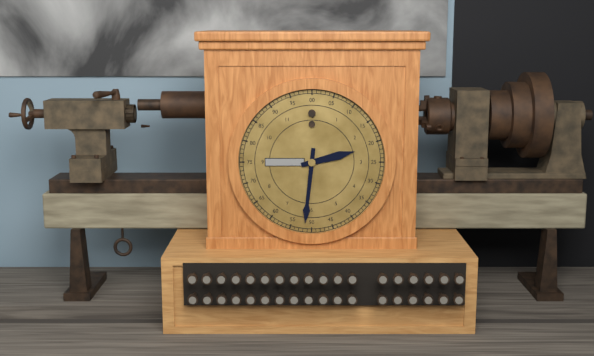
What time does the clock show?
2:31
